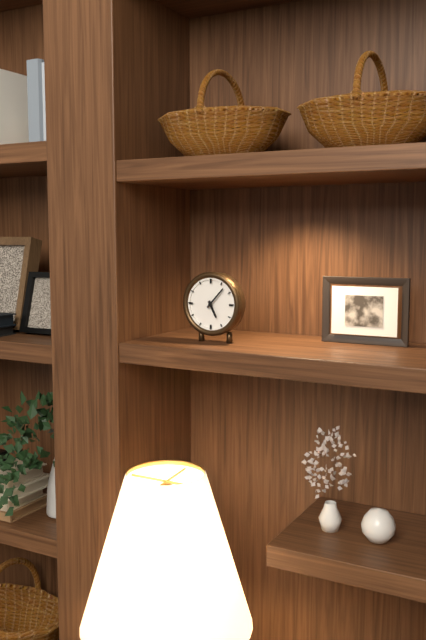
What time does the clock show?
5:07
